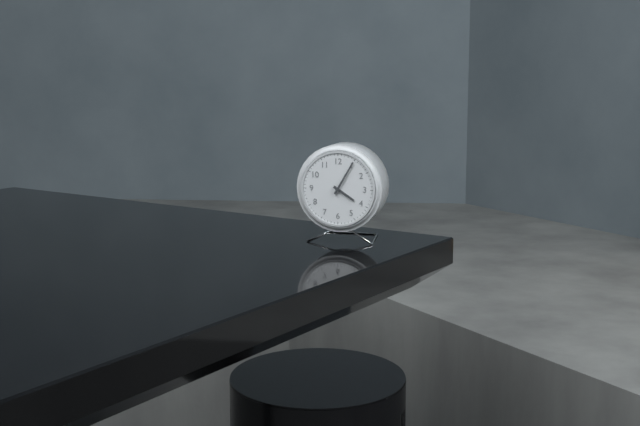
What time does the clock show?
4:05
